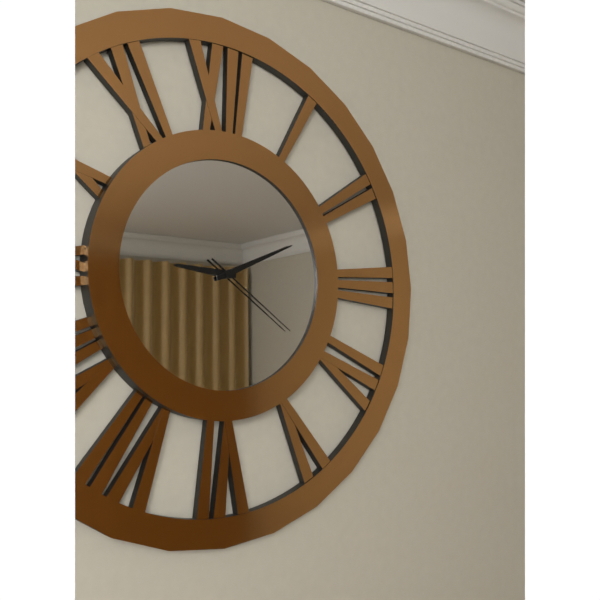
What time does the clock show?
9:11:21
